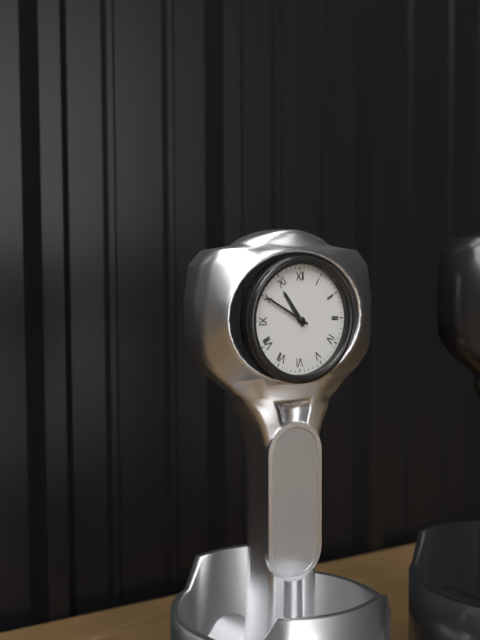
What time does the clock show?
10:50
